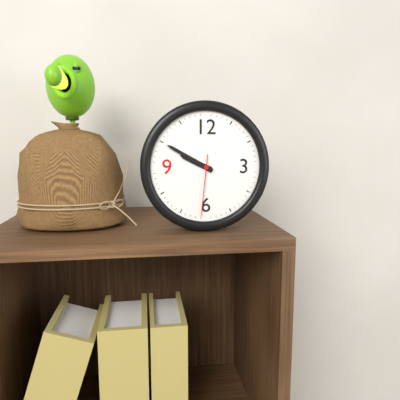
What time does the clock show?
9:50:31
